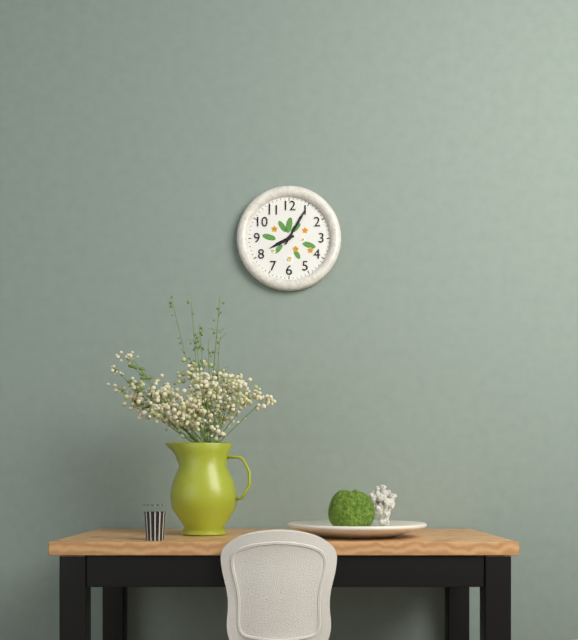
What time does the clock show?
8:05
